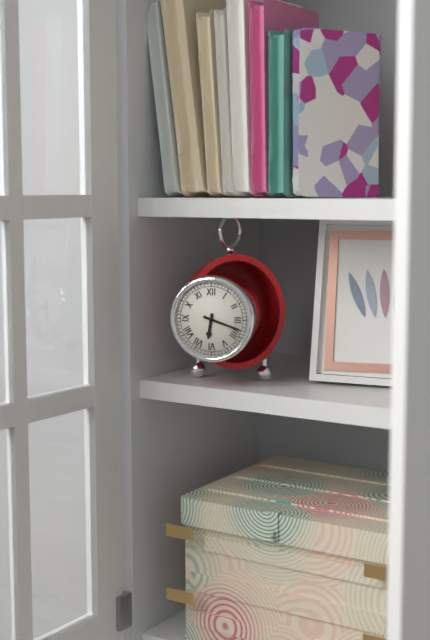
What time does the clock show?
6:18
